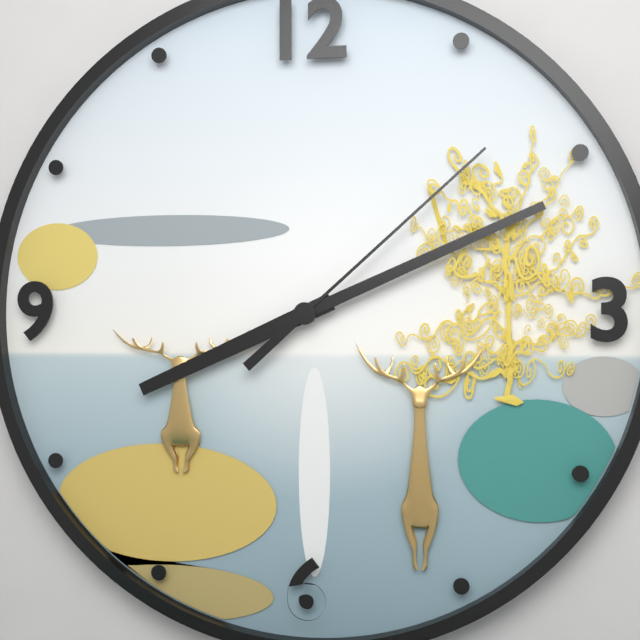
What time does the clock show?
8:11:08
